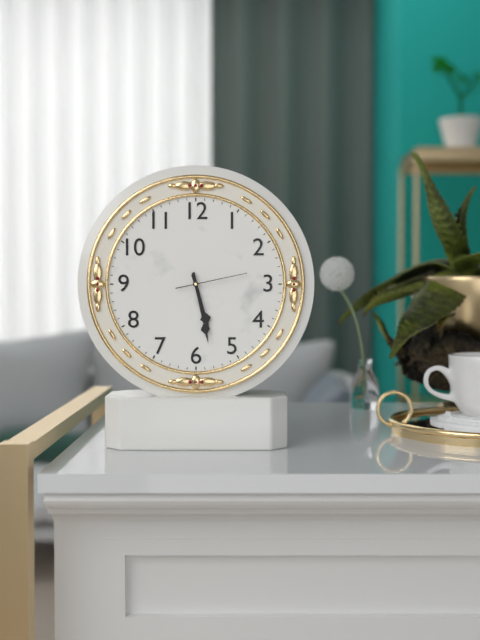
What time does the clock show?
5:28:13
